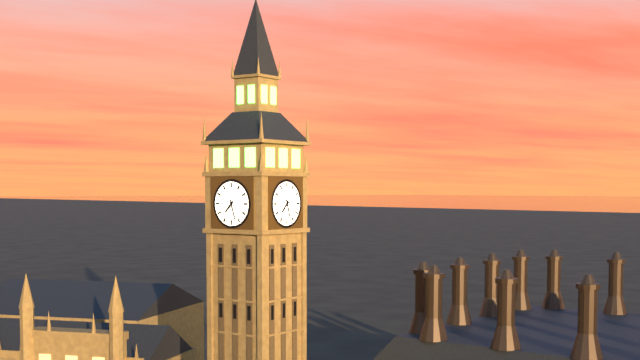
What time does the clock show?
7:27
